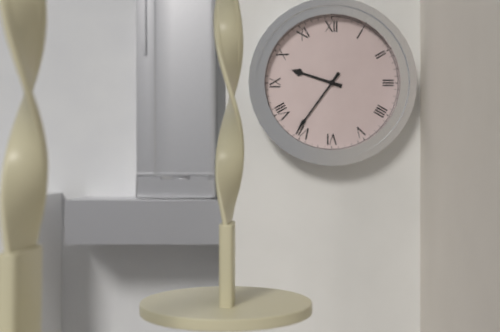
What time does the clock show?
9:36
